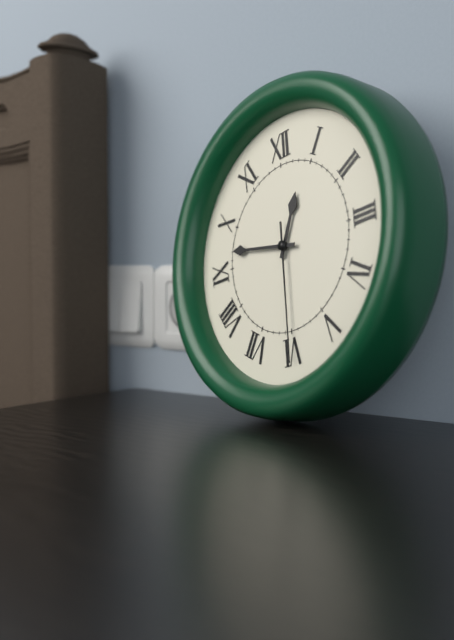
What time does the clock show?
12:47:30
